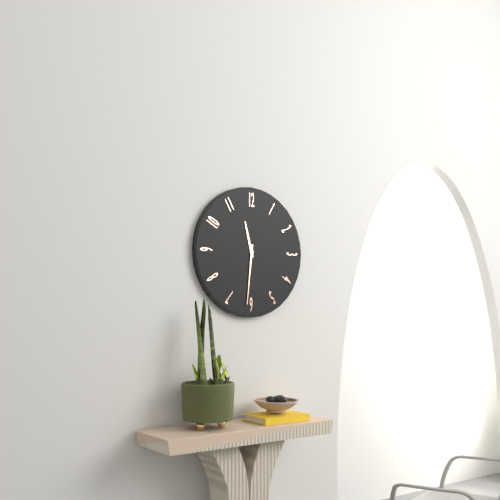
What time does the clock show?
11:31
